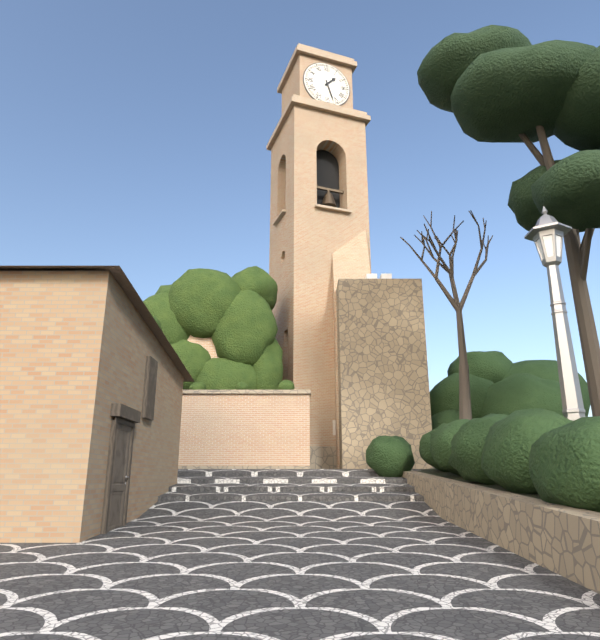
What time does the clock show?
1:27
